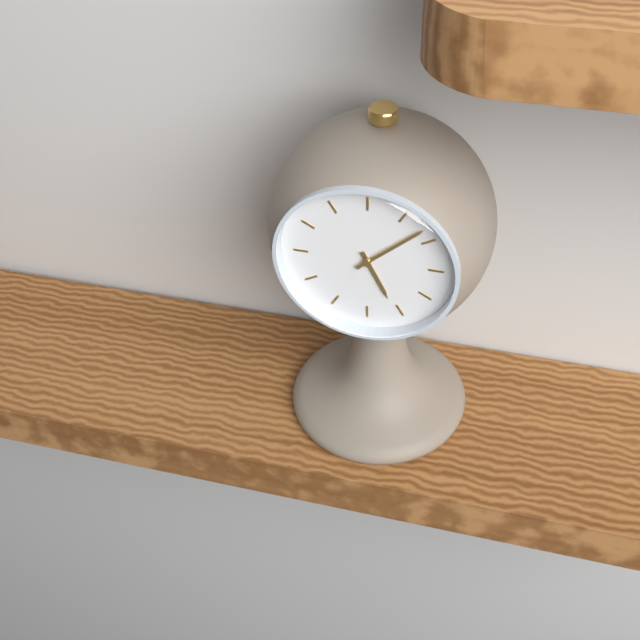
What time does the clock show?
5:08
